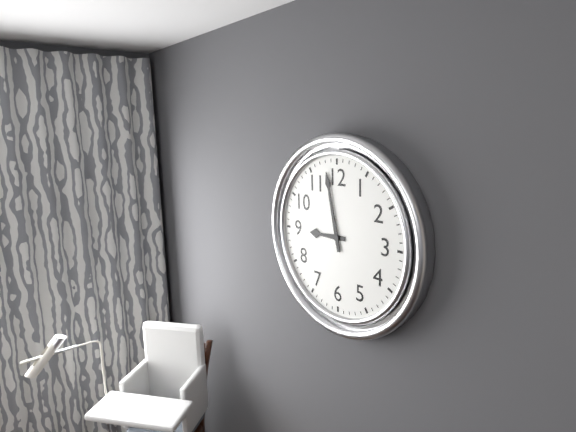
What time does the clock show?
8:58
